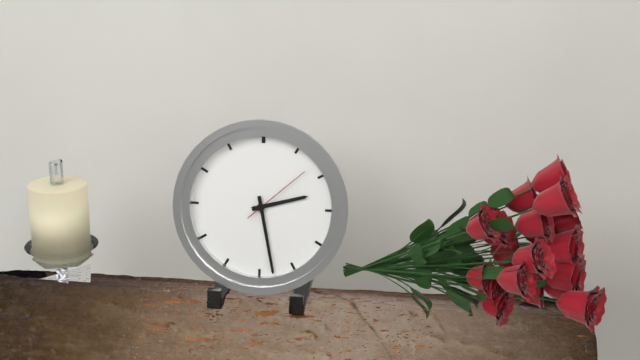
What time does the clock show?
2:28:08
